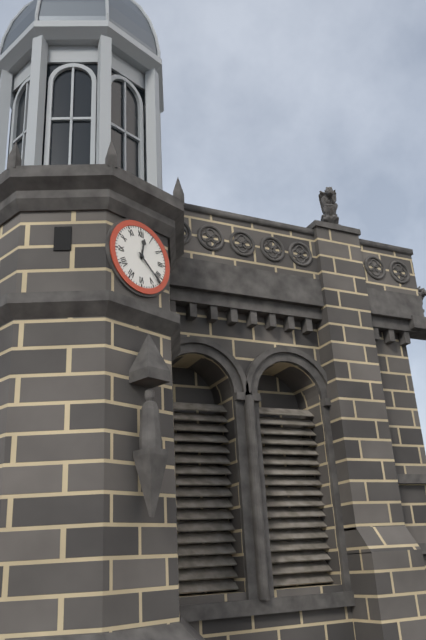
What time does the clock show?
12:22
